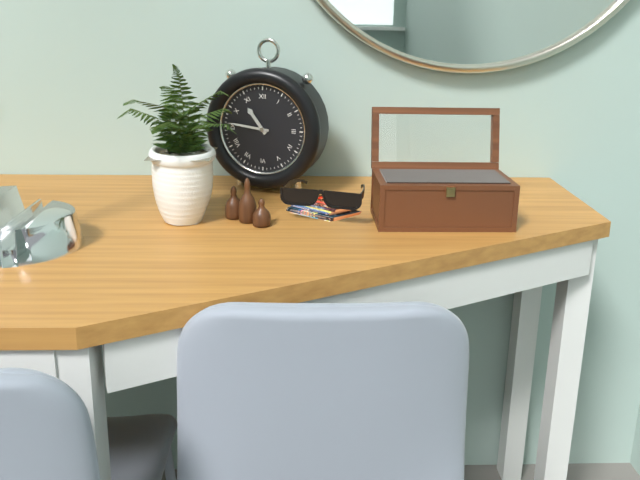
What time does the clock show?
10:46
